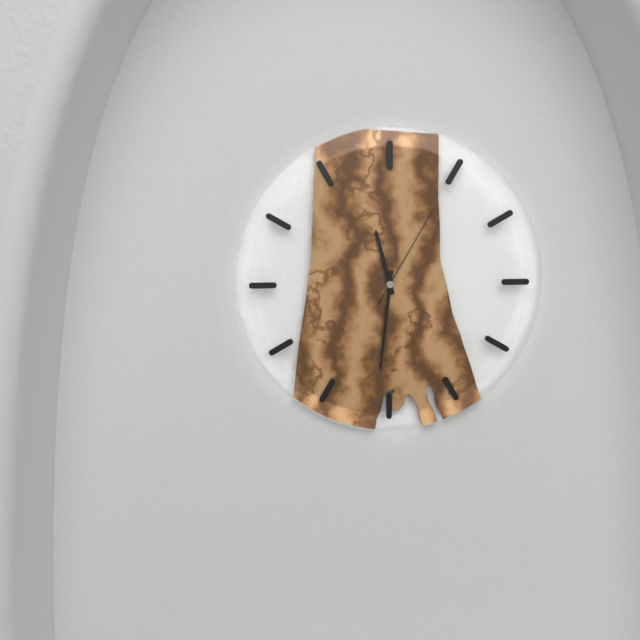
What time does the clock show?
11:31:05
